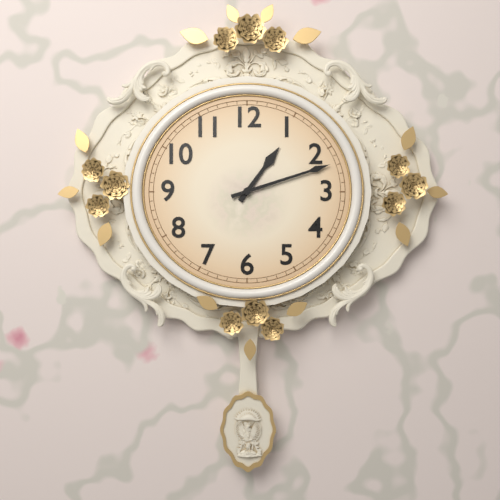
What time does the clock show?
1:12
